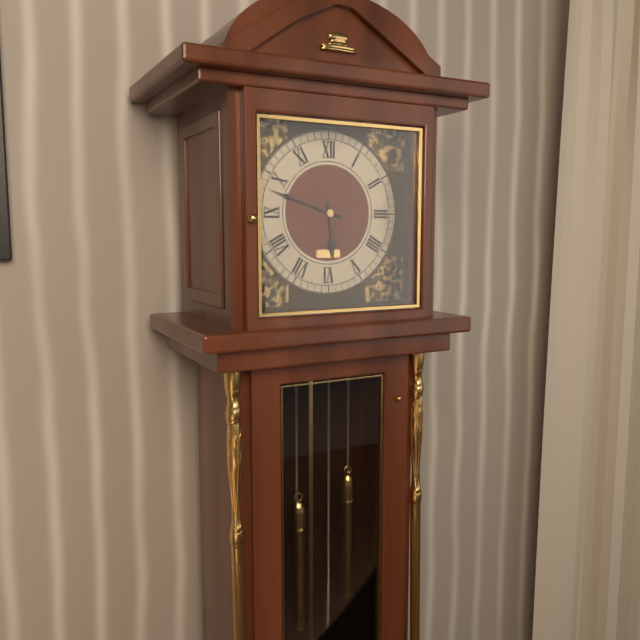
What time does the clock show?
5:48
